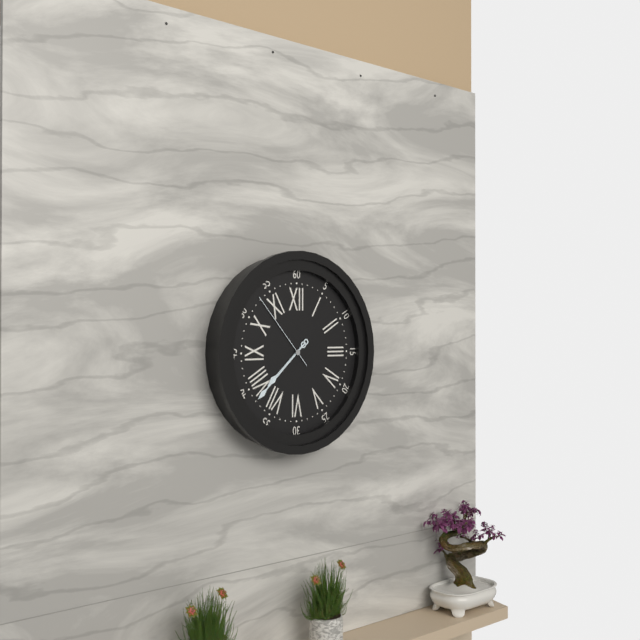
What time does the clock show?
7:38:53
